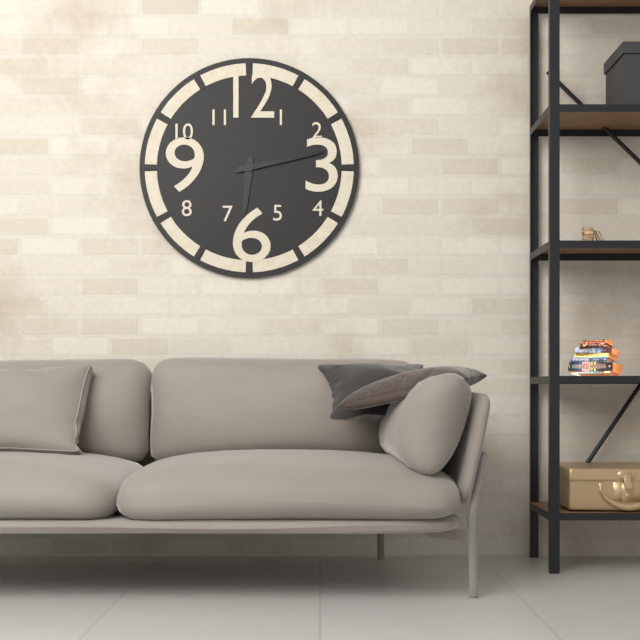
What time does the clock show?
6:13
